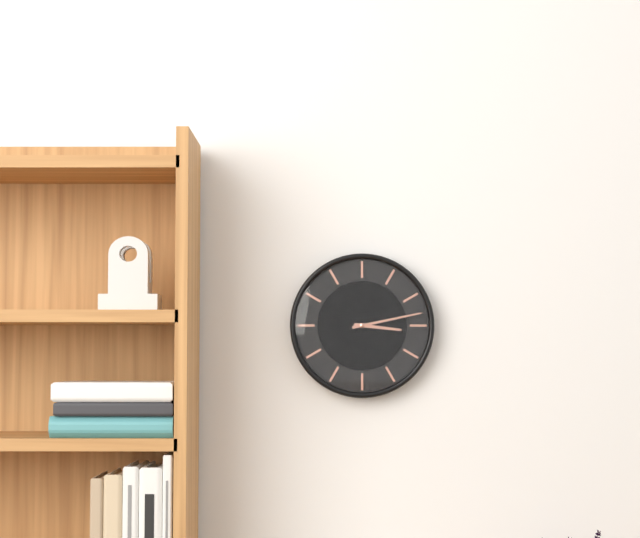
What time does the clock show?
3:13
